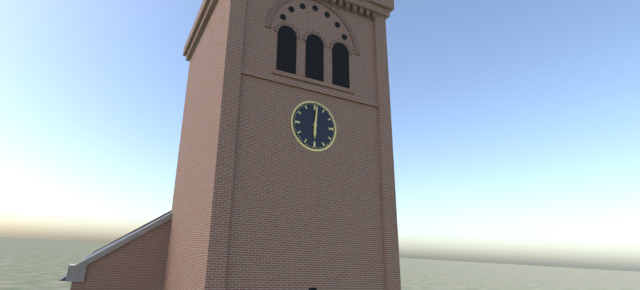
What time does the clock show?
6:01
